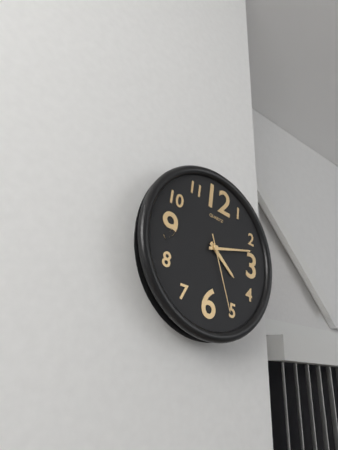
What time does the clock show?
4:12:26
